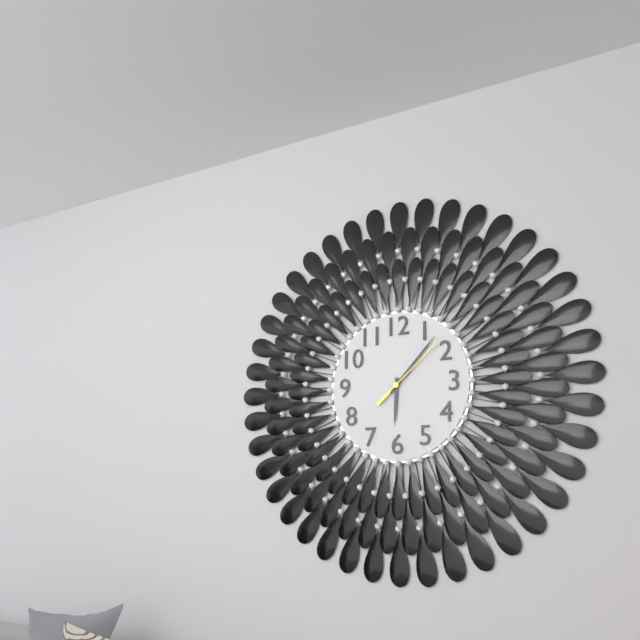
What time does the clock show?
6:07:08
